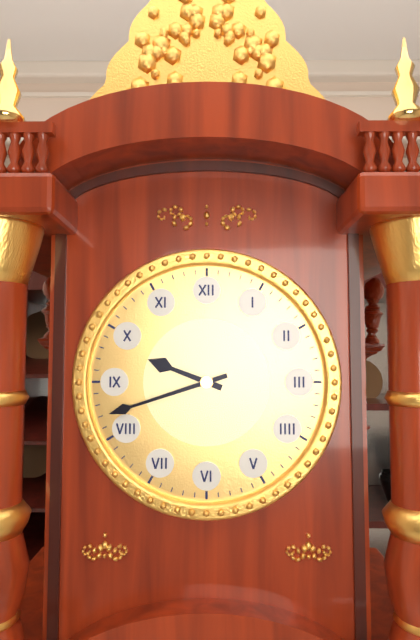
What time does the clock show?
9:42
